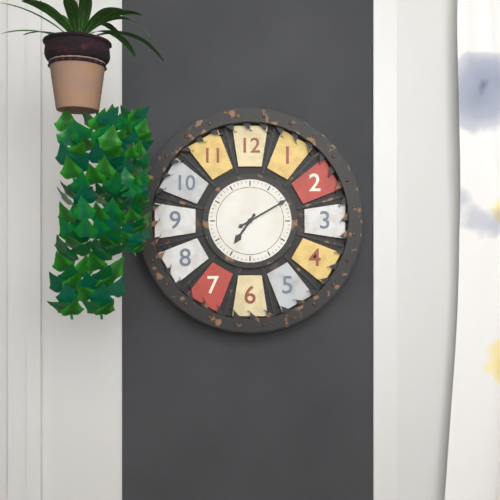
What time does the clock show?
7:10
